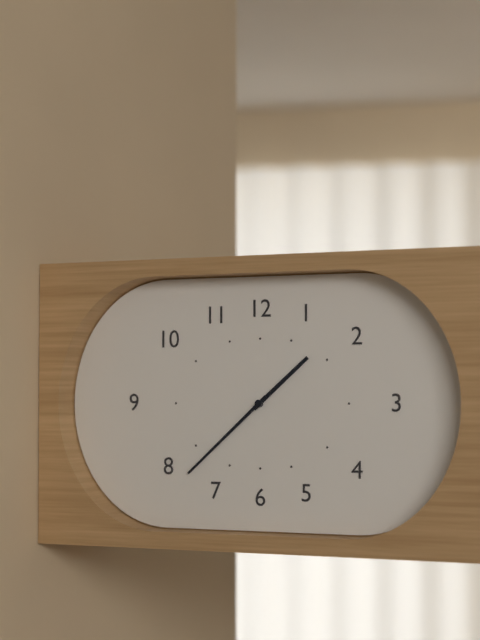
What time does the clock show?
1:38
